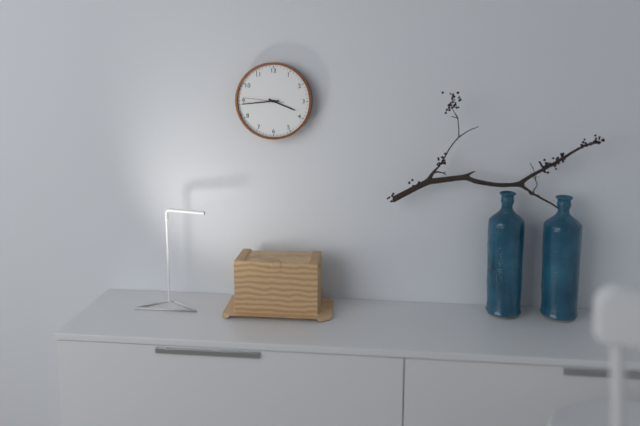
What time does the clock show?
3:44
